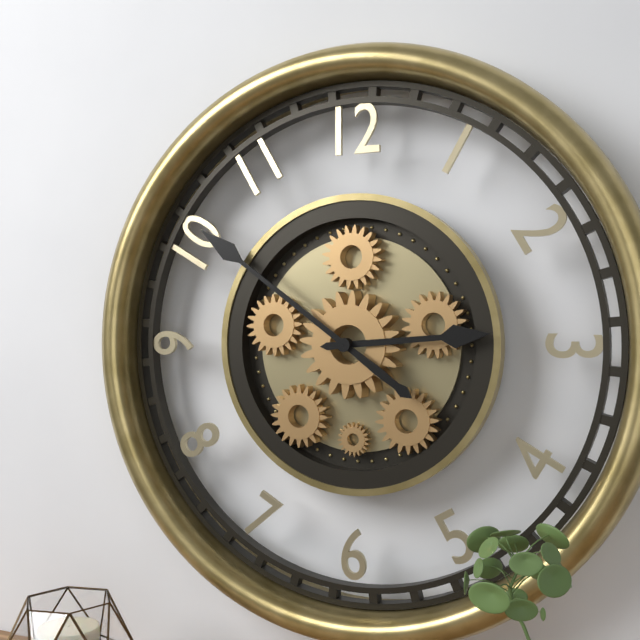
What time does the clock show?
2:51
